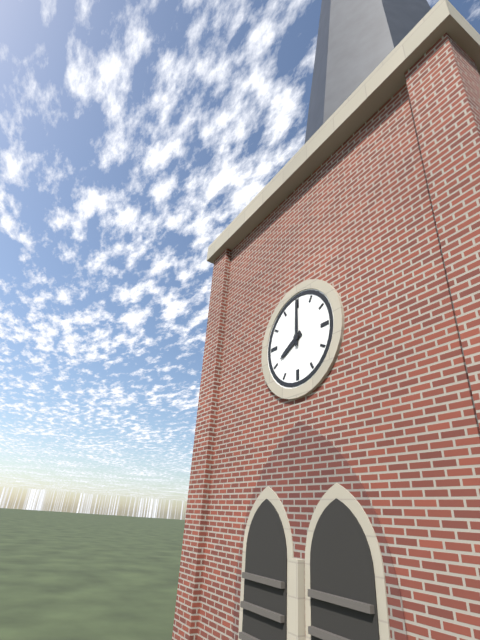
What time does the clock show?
8:00
